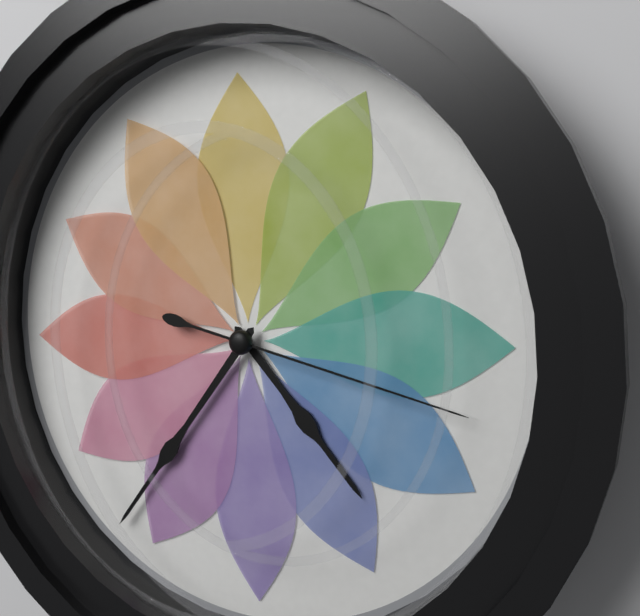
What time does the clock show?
4:36:17
